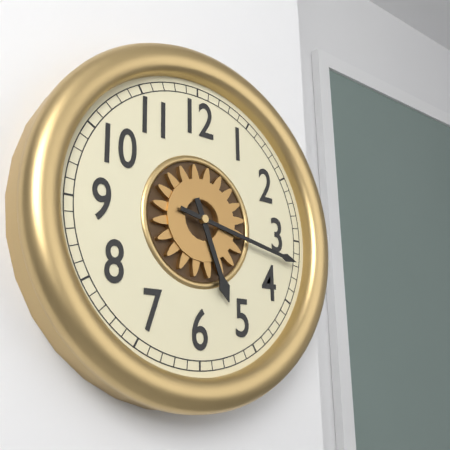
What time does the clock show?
5:17
